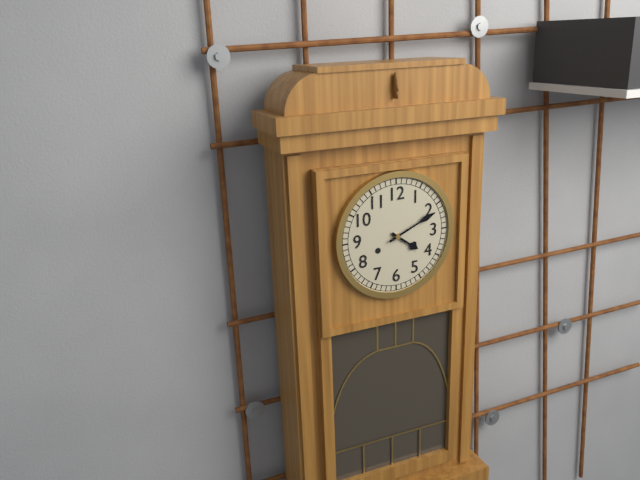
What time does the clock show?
4:11
